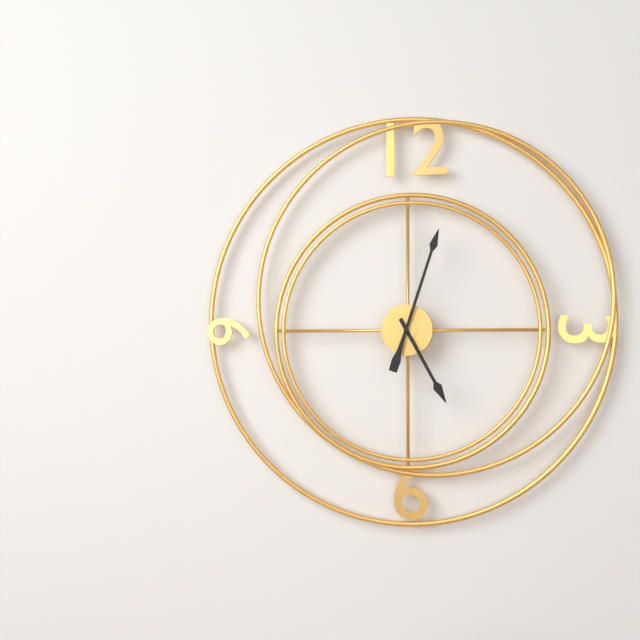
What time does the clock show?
5:03
